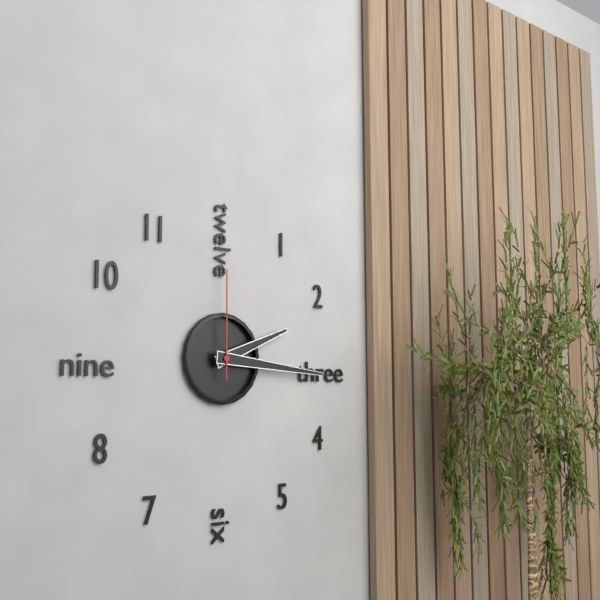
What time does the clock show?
2:16:00
